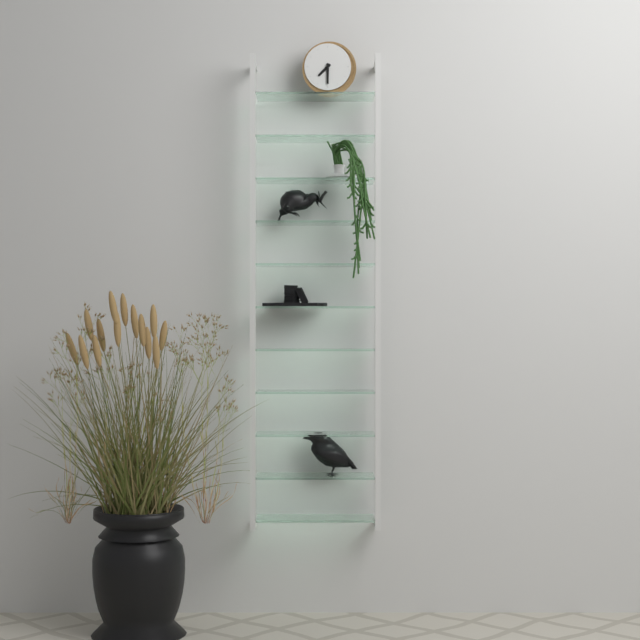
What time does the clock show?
7:30
